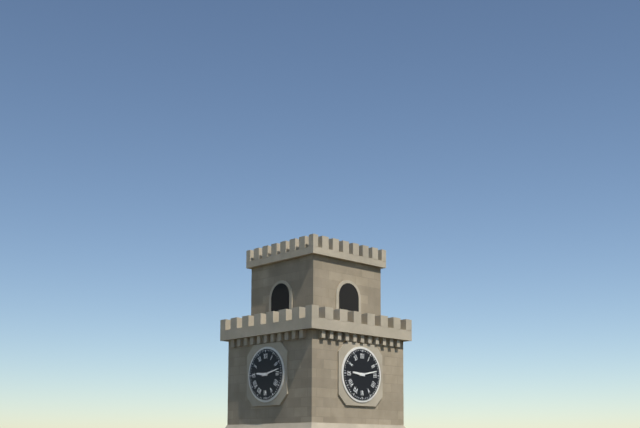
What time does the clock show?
9:13
